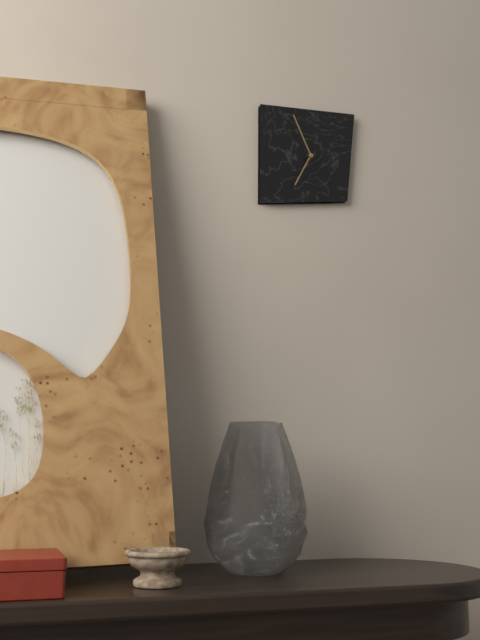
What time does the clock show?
6:56
